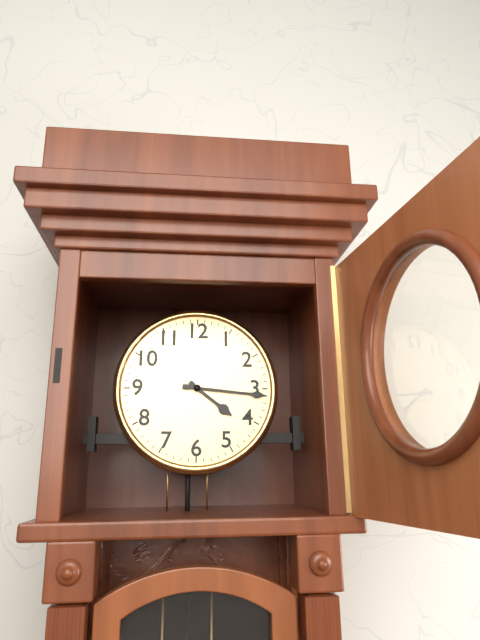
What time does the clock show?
4:16
